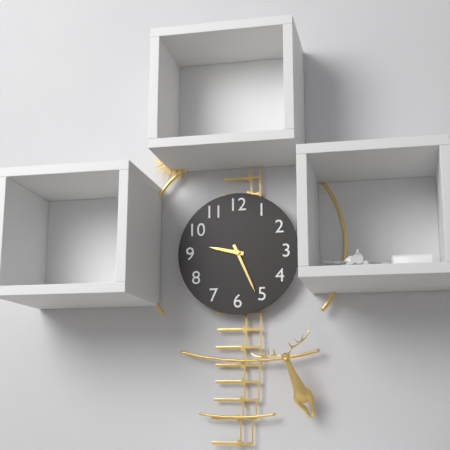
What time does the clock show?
9:26
